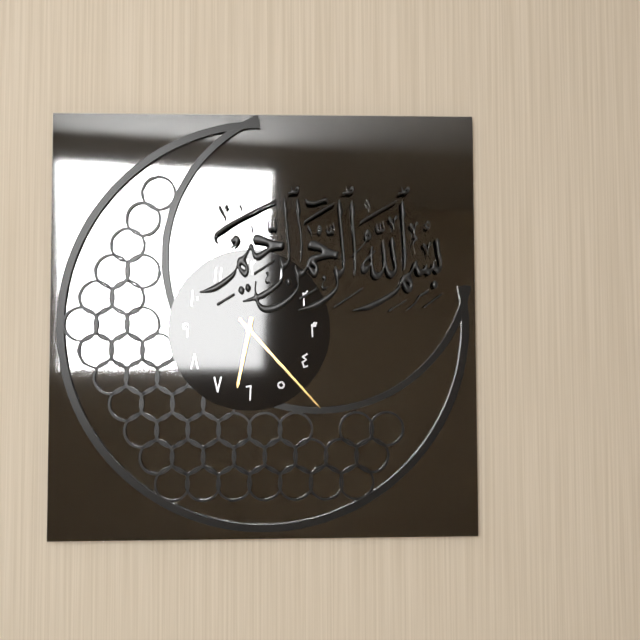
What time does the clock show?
6:23
